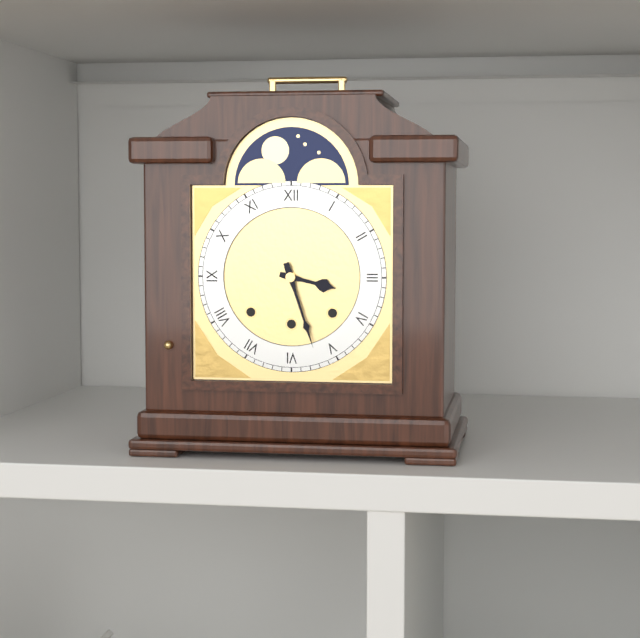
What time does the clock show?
3:27
